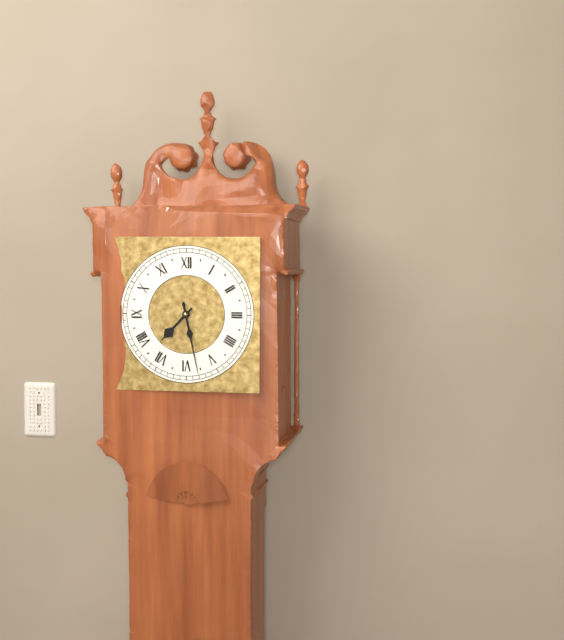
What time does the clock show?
7:28
